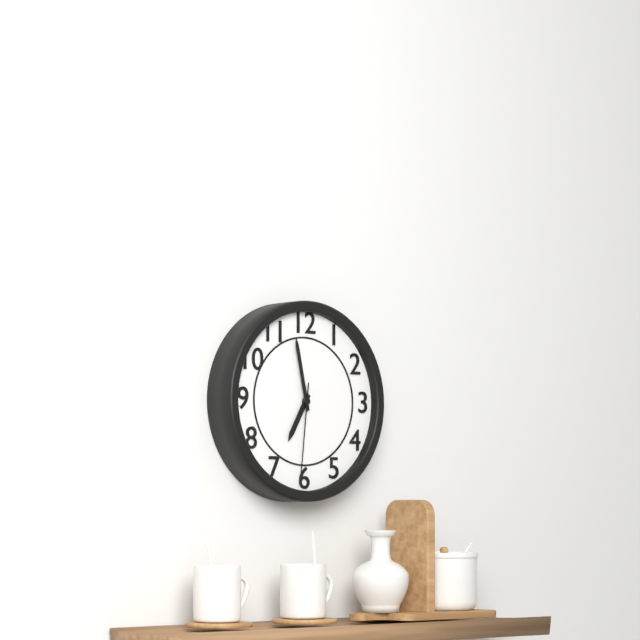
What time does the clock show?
6:58:31
